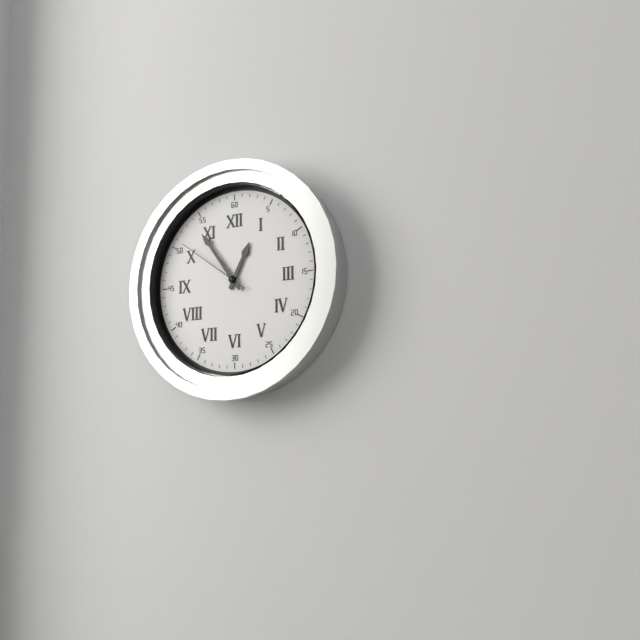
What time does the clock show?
12:54:51
